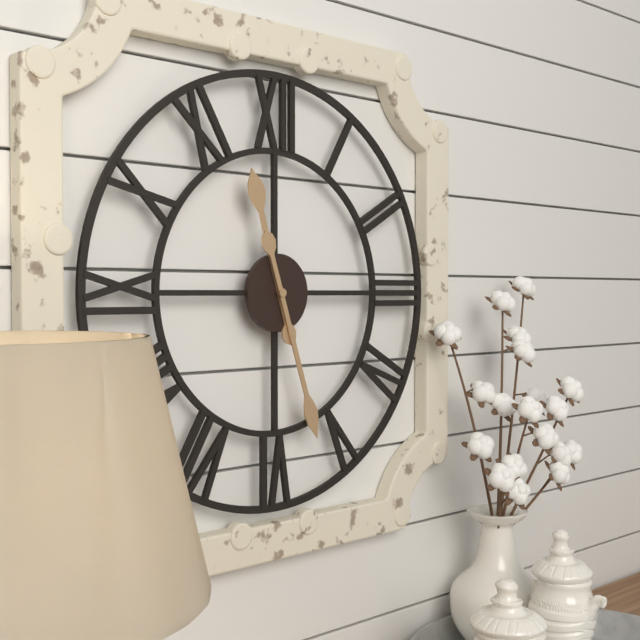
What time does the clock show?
11:27
